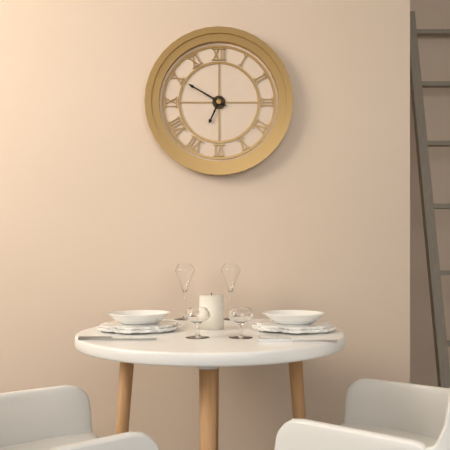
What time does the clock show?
6:50
